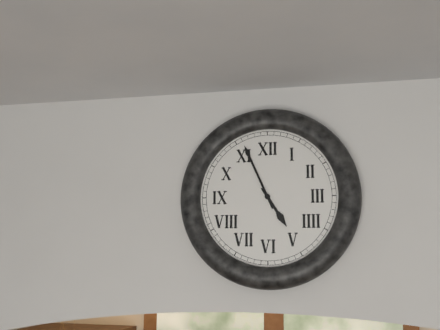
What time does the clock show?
4:56
